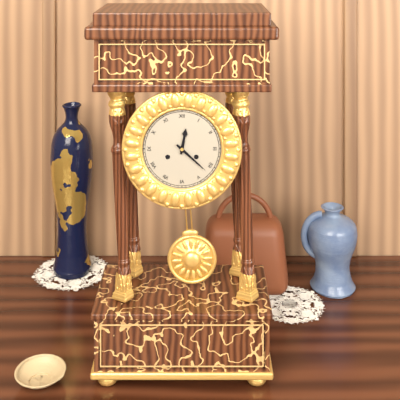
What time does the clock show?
12:22
